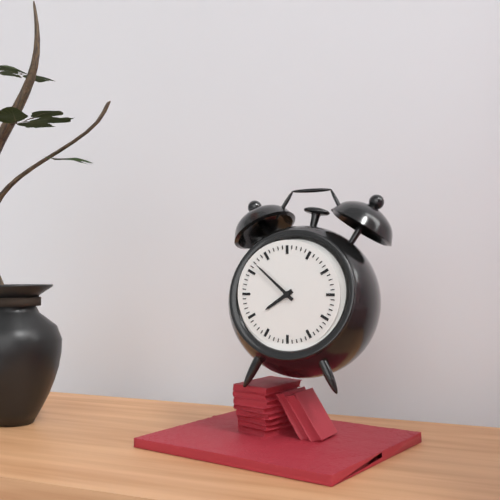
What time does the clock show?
7:52
